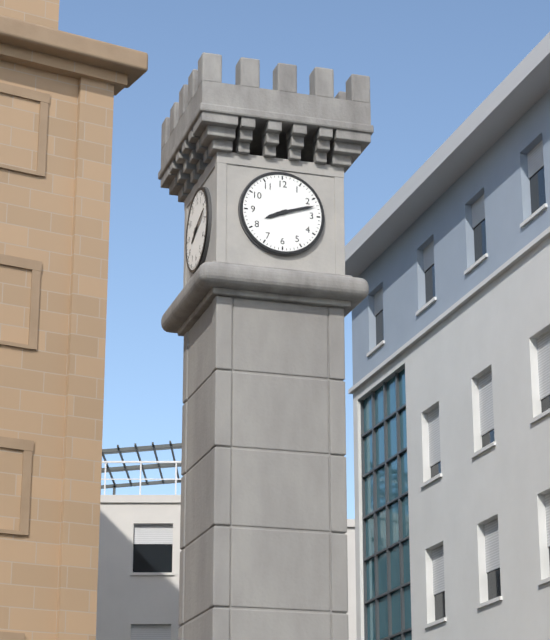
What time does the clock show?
8:12
